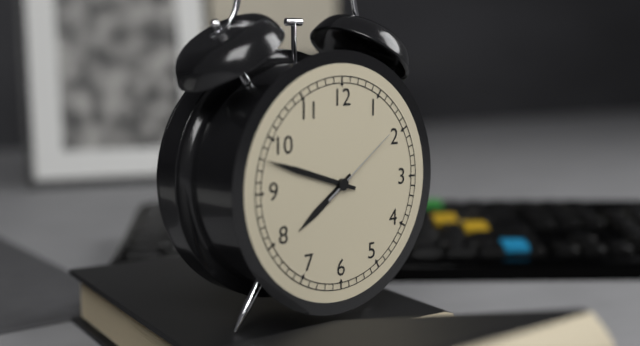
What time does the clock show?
7:48:09
